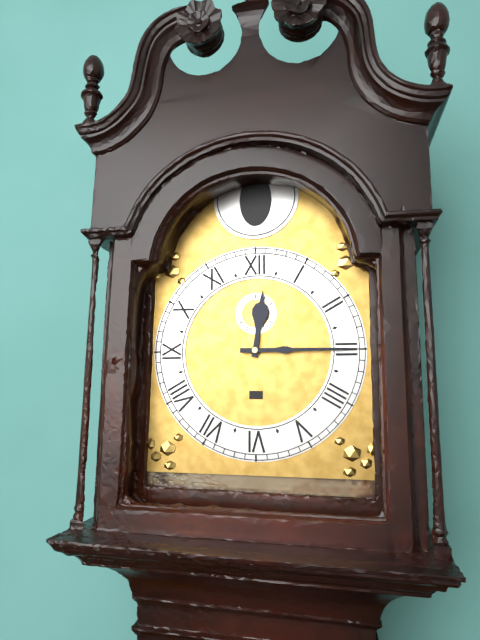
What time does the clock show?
12:15
